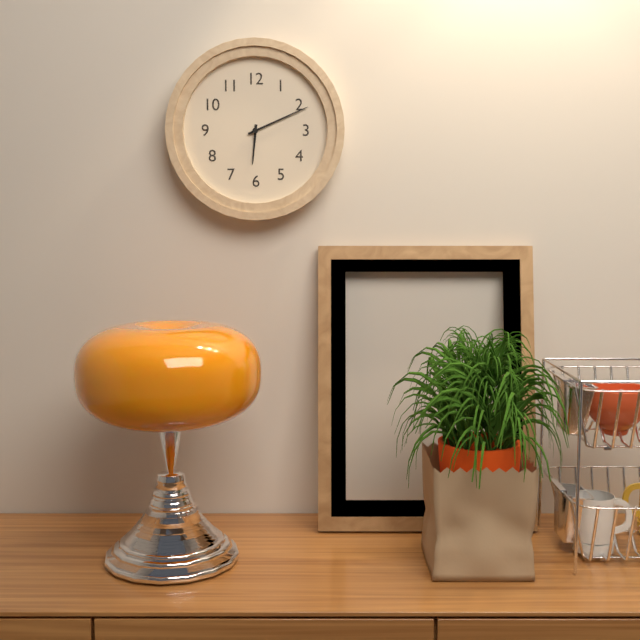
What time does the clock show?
6:11
